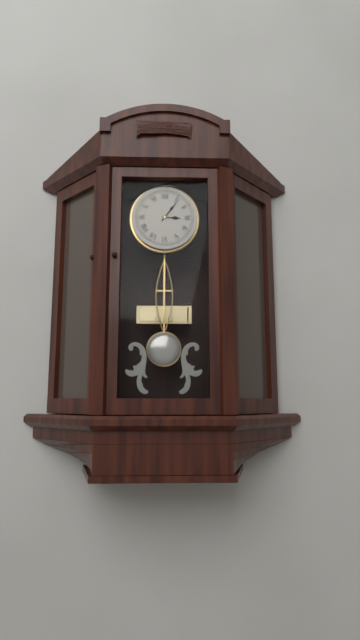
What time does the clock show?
3:06
